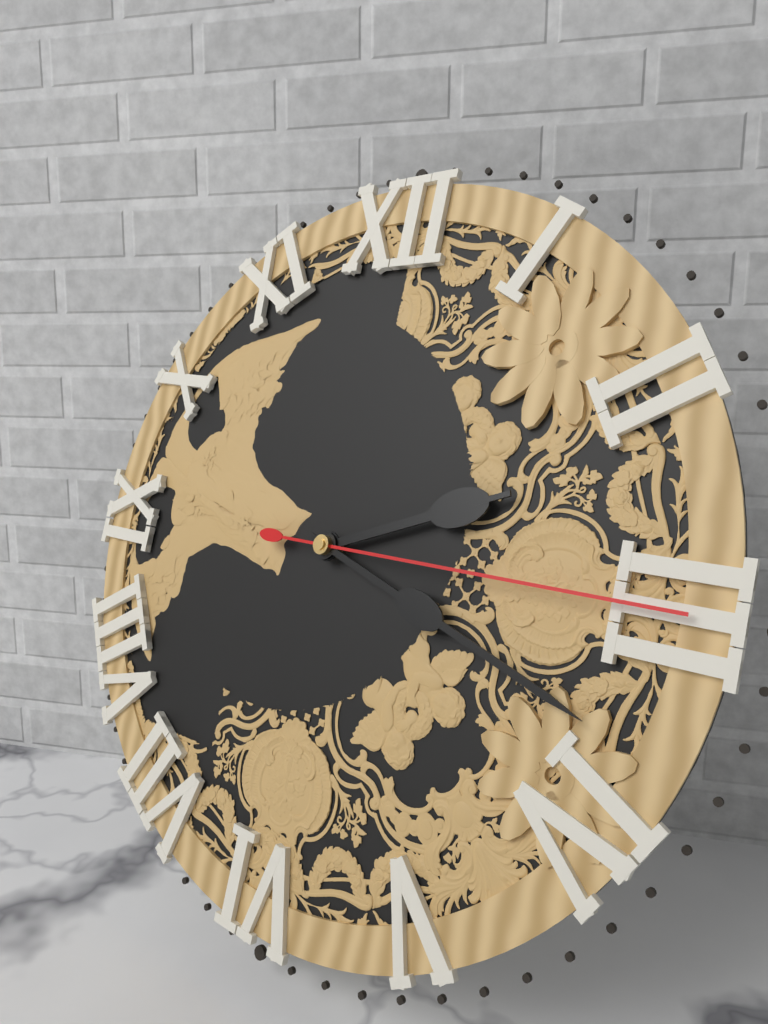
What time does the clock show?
2:18:15
